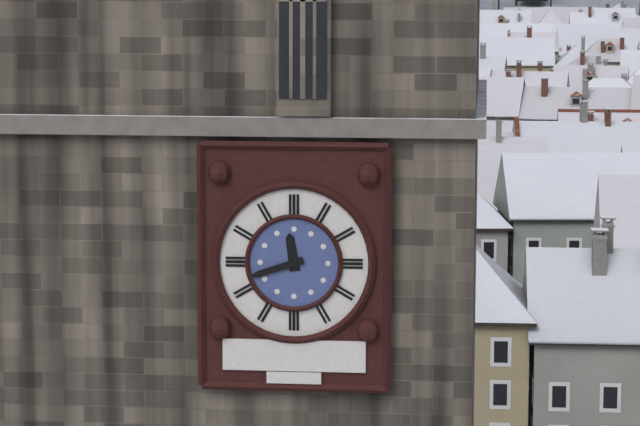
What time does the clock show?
11:42
